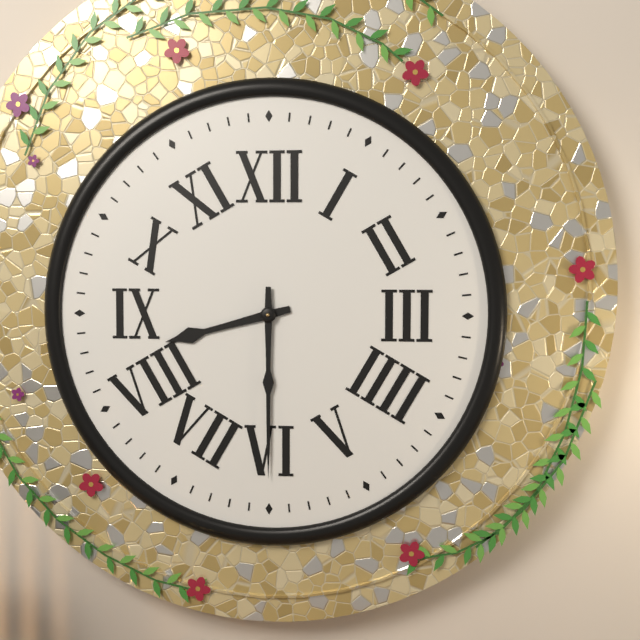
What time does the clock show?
8:30
